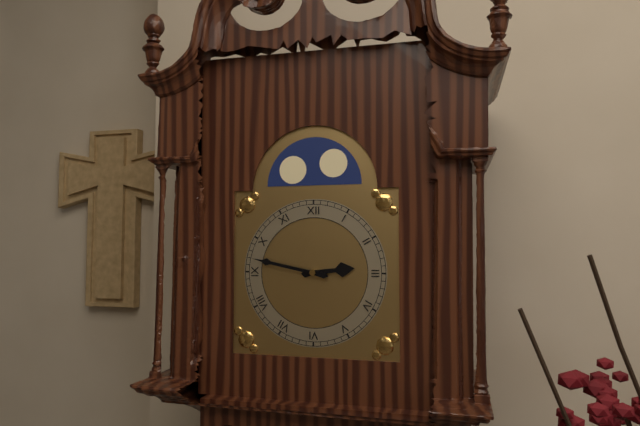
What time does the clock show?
2:47
